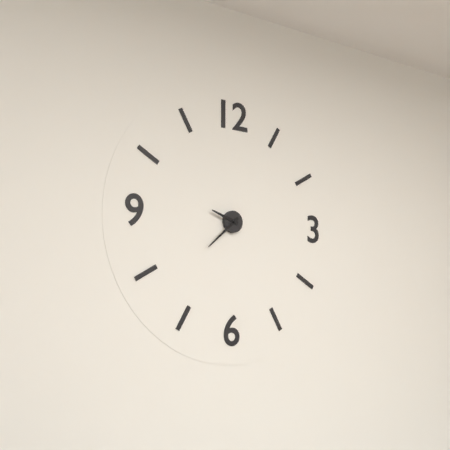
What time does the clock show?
9:38
